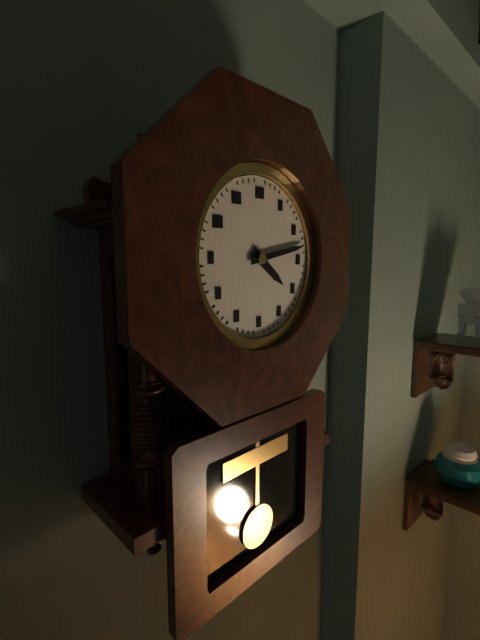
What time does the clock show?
4:13
